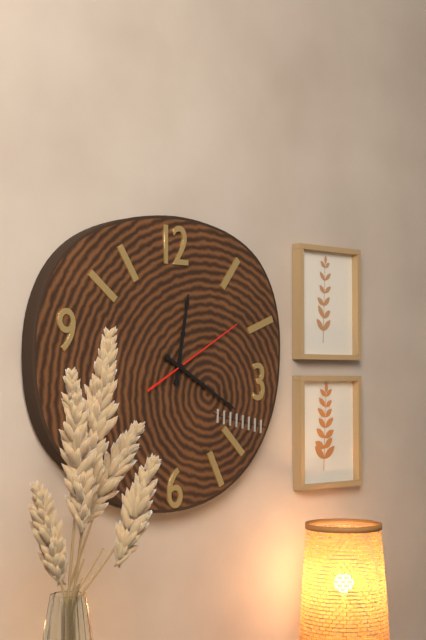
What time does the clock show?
12:20:10
